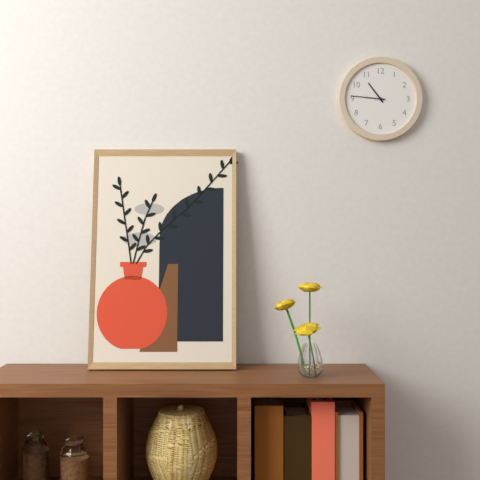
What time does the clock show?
10:46
